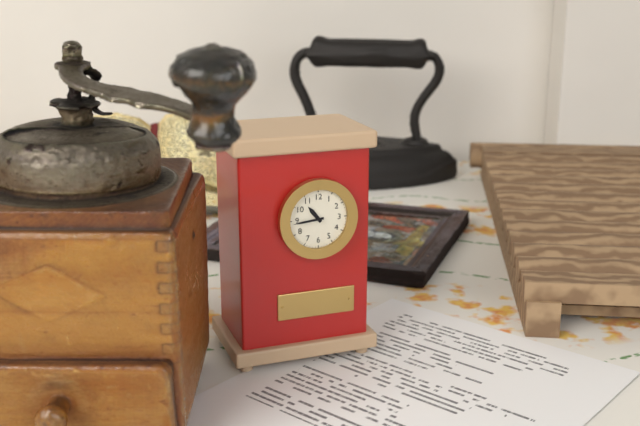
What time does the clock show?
10:44
